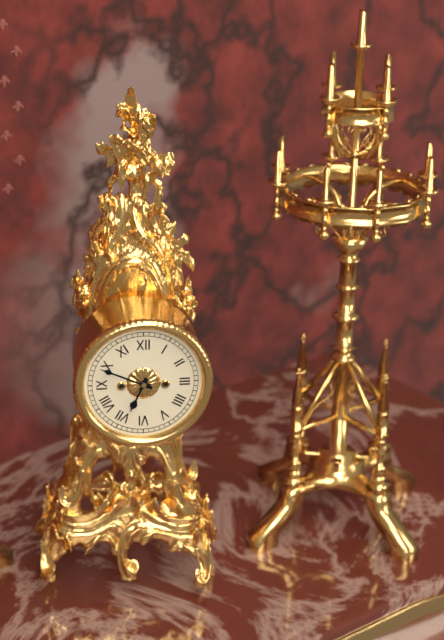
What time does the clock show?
6:49
